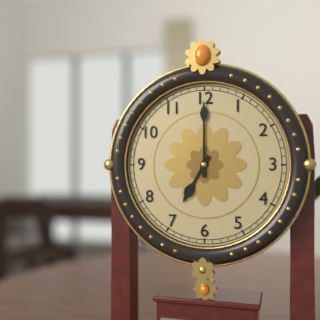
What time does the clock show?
7:00
